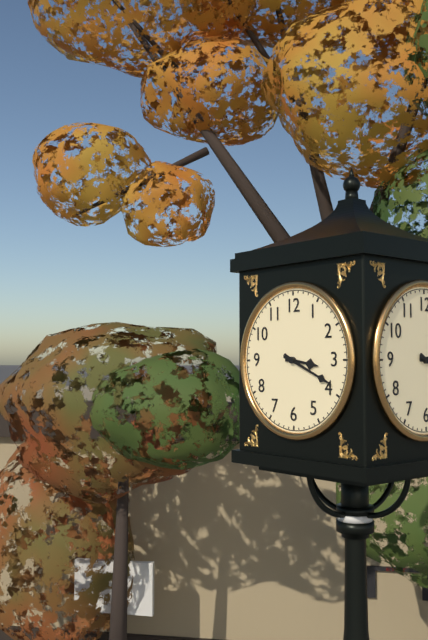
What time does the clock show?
3:19
